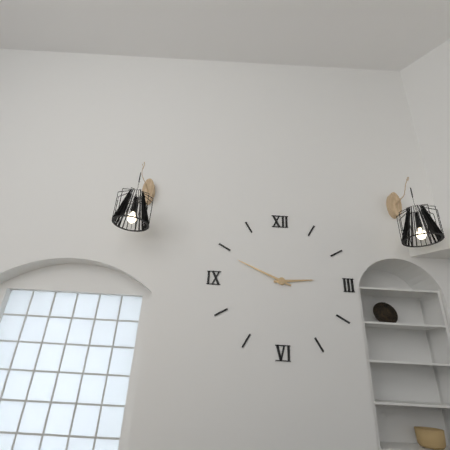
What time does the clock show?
2:49
